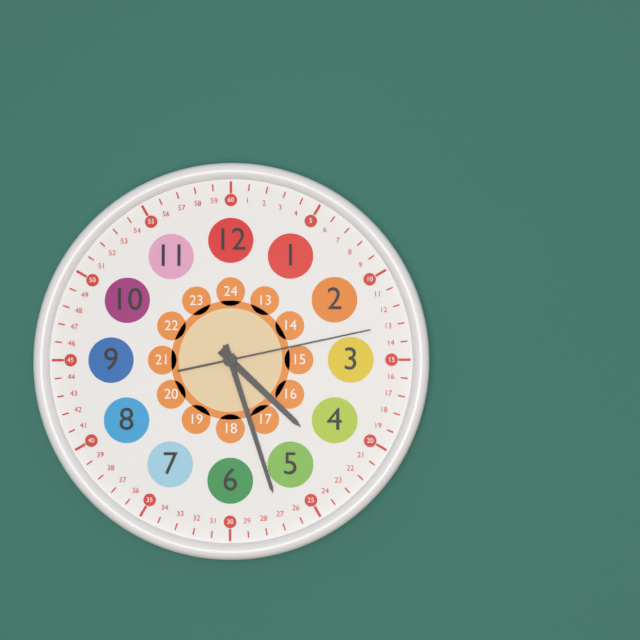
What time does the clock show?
4:27:13
